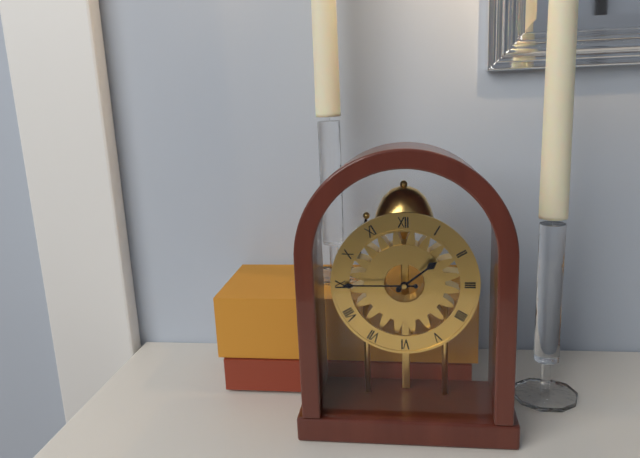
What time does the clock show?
1:45
